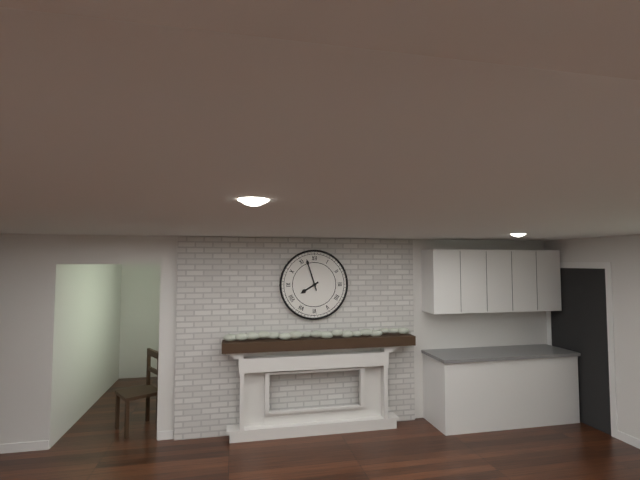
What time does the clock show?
7:57
